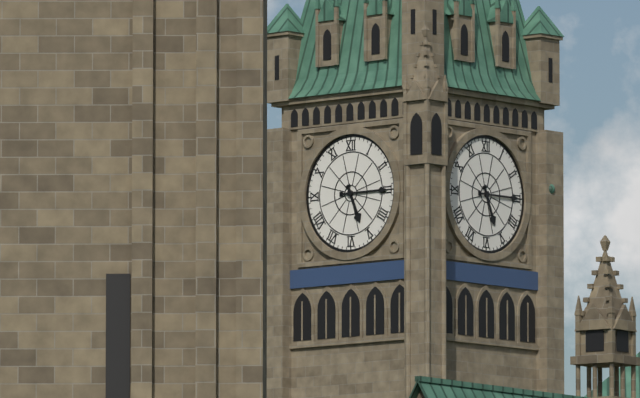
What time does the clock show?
5:15
